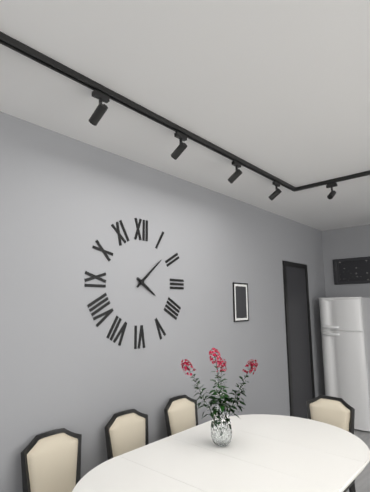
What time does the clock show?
4:08
